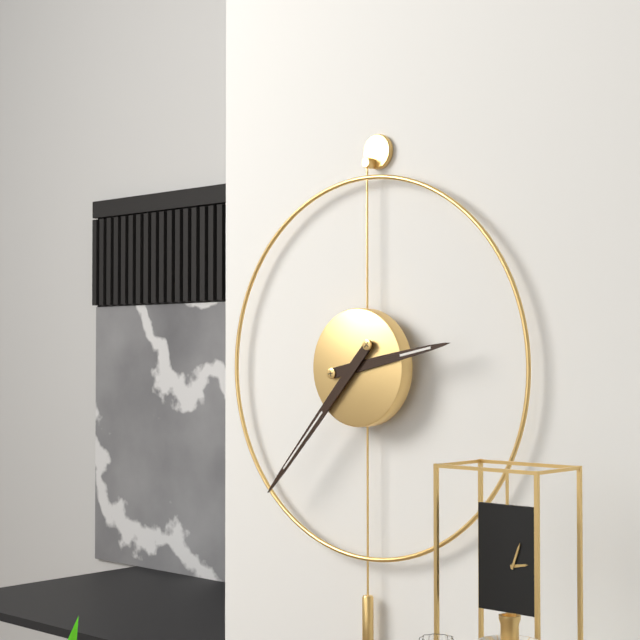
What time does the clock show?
2:37
